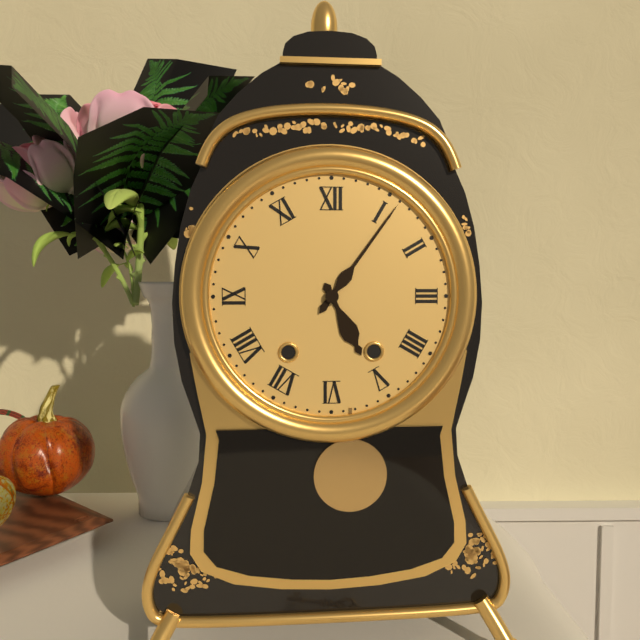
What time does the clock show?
5:06
